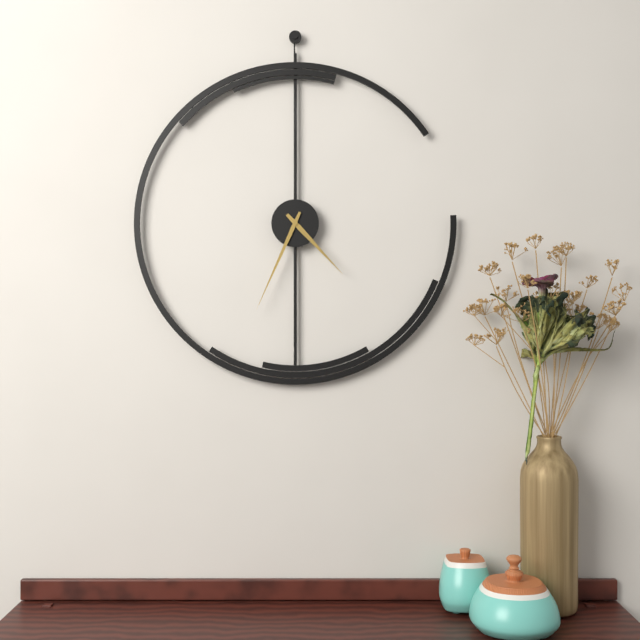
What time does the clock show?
4:34
